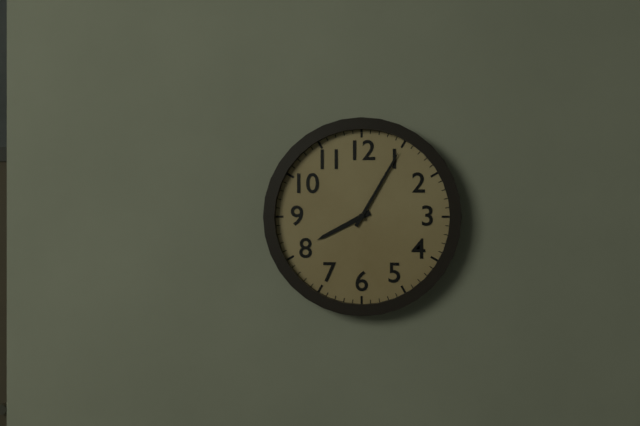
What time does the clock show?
8:05
